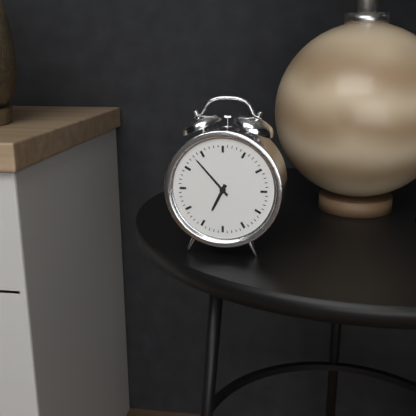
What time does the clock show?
6:53
